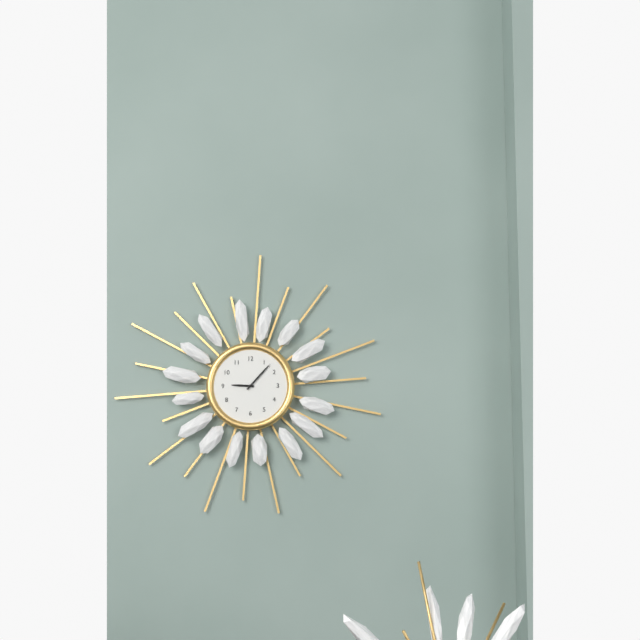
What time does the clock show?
9:07
